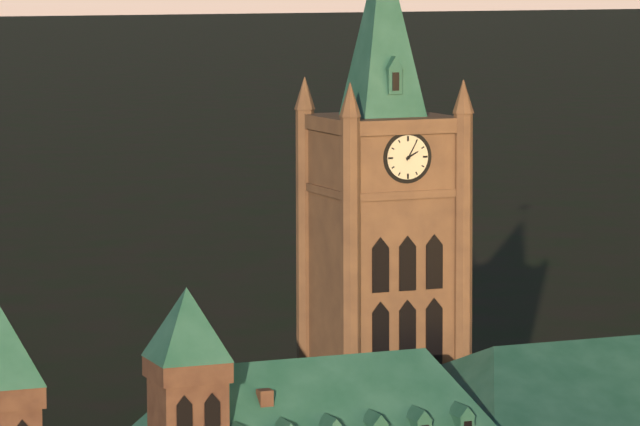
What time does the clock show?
2:05
